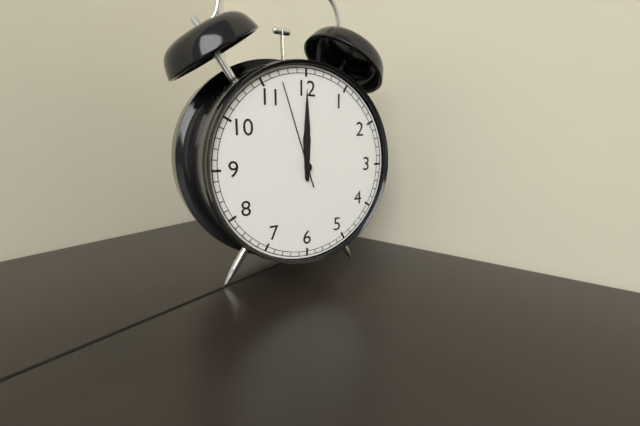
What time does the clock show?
12:00:57
